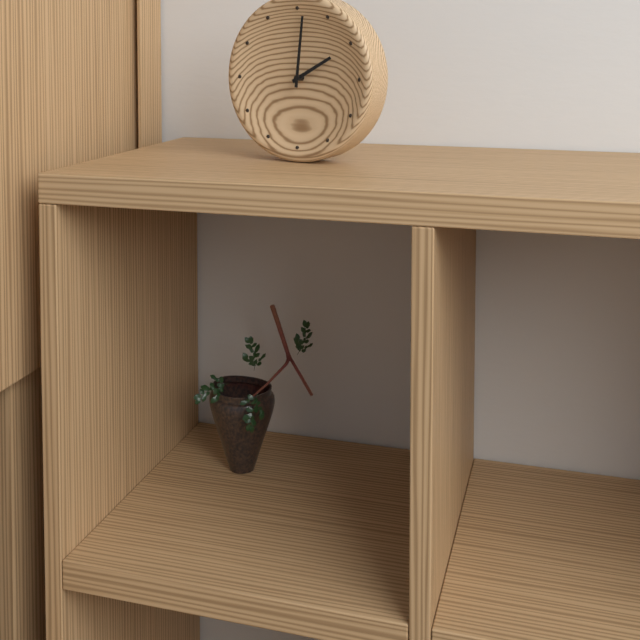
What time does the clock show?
2:01
